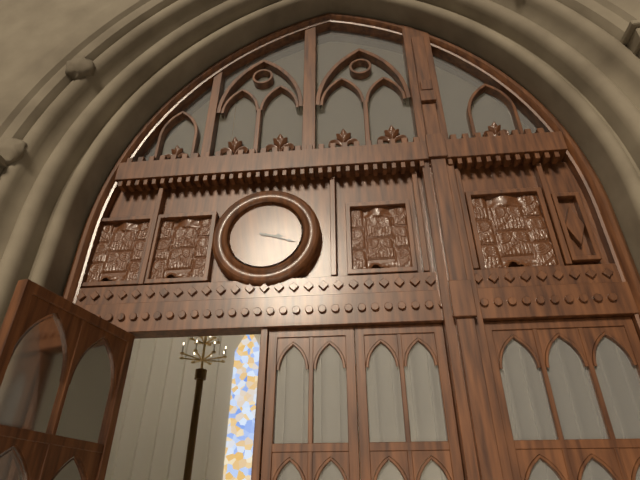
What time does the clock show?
3:18
